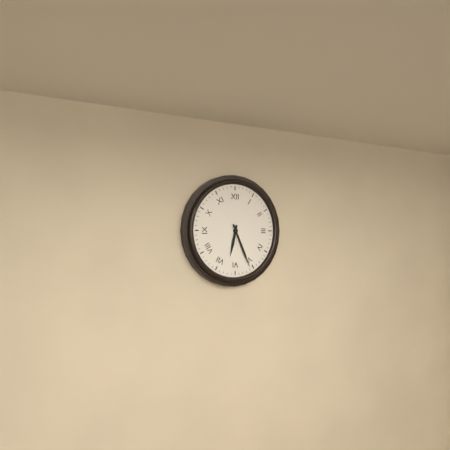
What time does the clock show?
6:26
